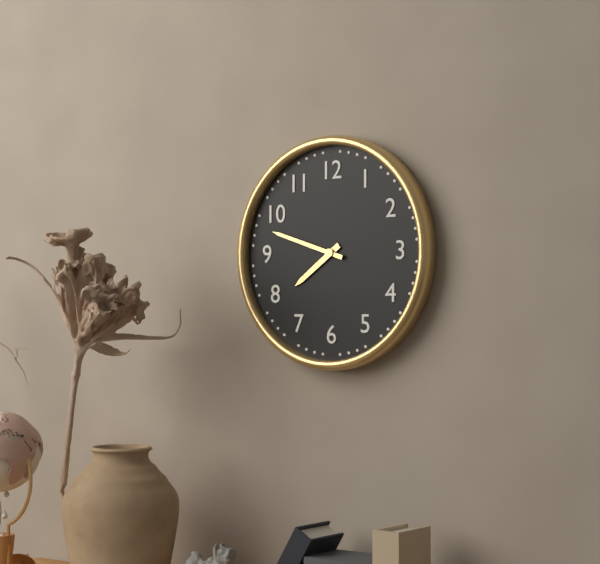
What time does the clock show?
7:48
